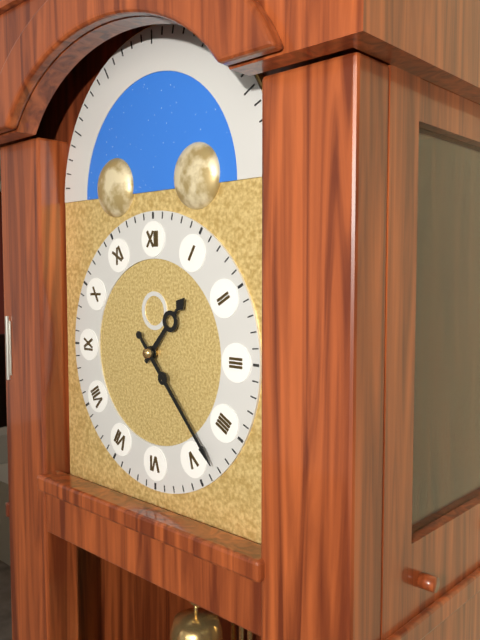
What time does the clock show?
1:23
